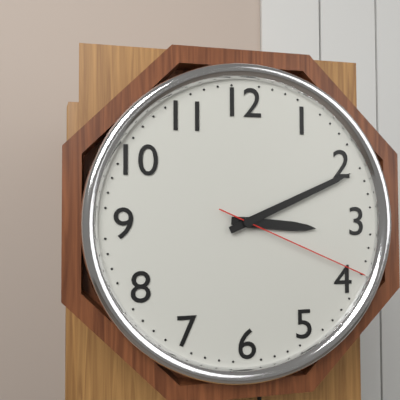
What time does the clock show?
3:11:19
